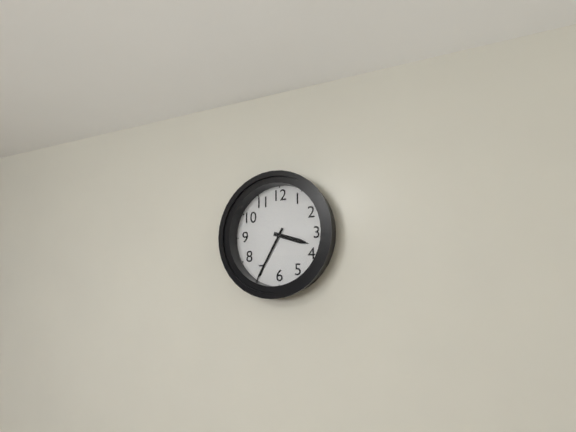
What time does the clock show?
3:35
